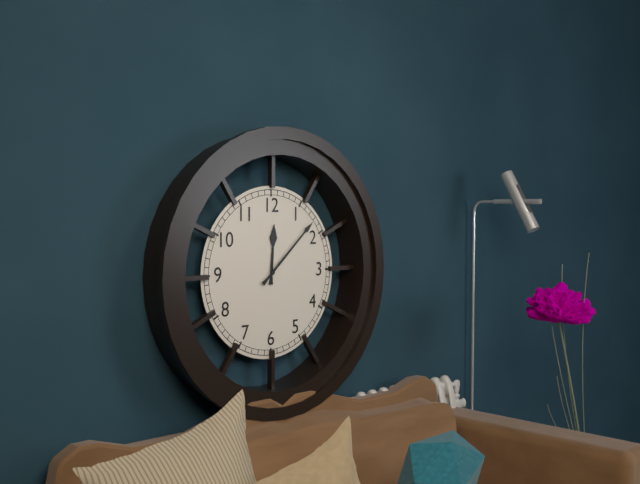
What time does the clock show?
12:08
